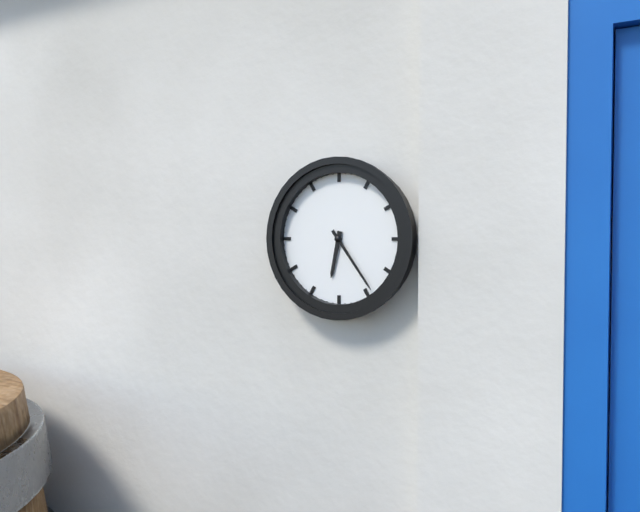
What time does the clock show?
6:24
